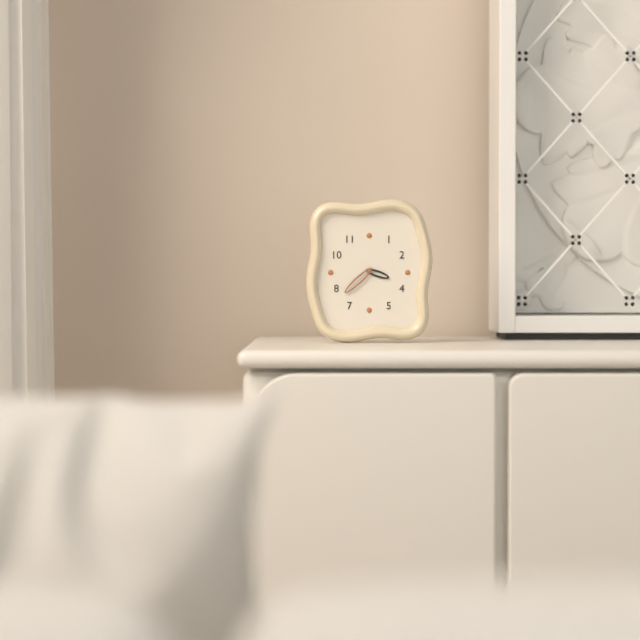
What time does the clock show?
3:38
